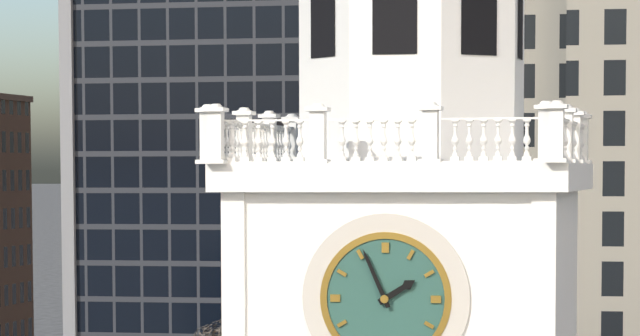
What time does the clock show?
1:56
